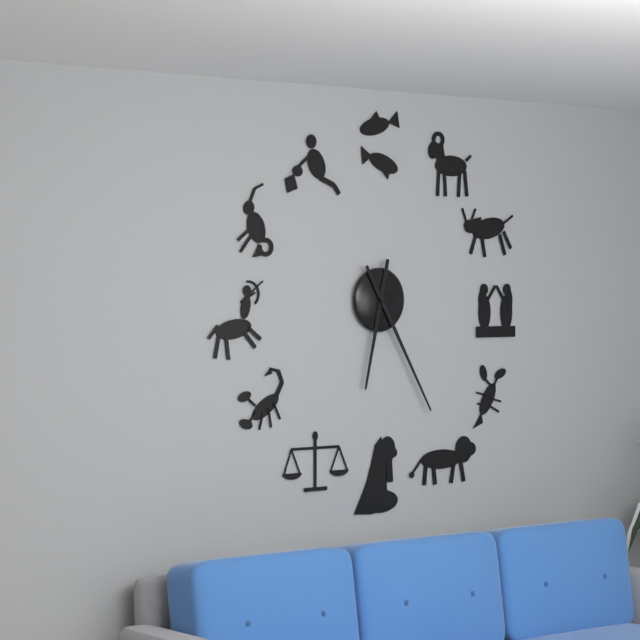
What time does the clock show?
6:25
